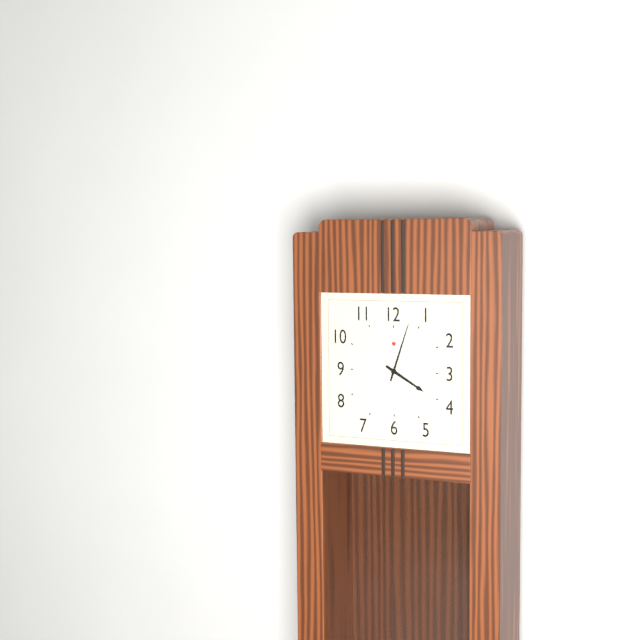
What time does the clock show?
4:03
